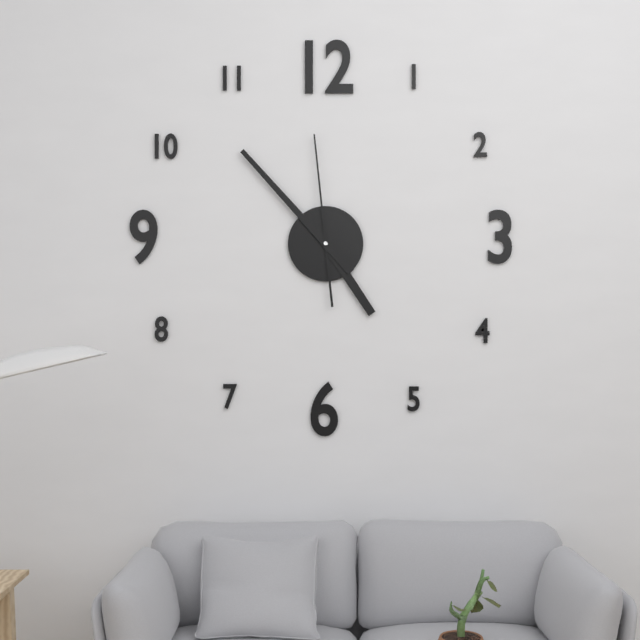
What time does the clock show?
4:53:59
